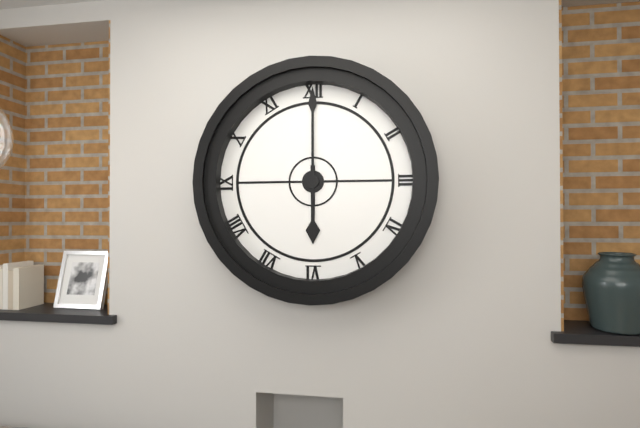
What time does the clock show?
6:00
